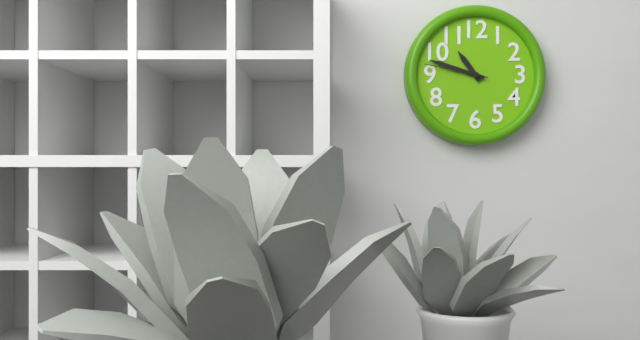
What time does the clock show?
10:48:47
